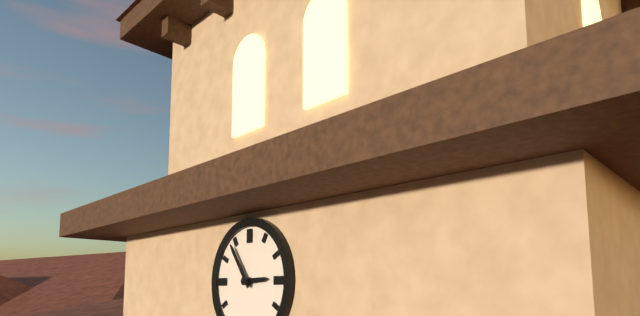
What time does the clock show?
2:54
